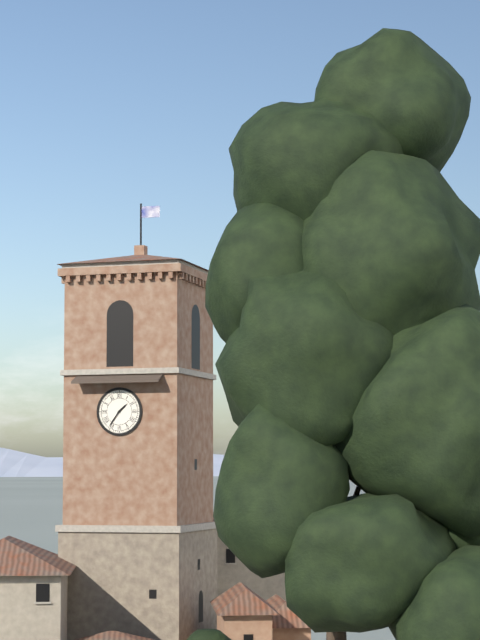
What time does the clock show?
1:36
